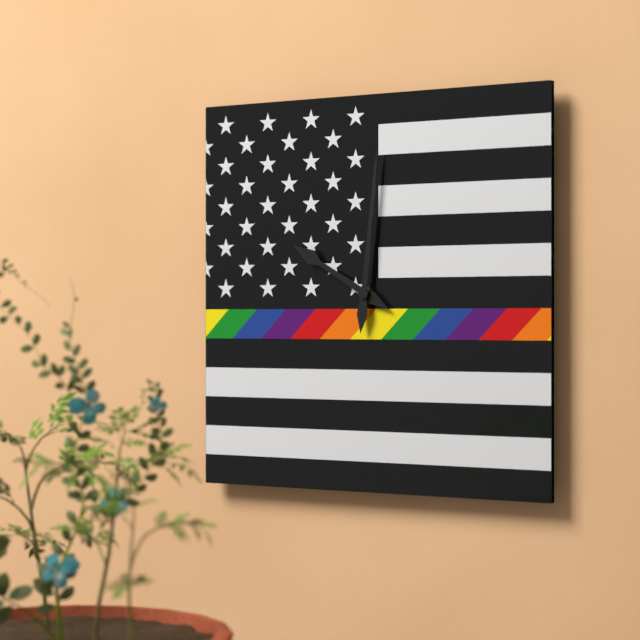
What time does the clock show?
10:01
